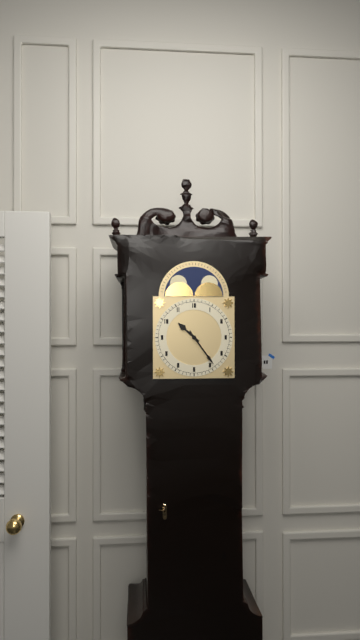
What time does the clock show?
10:24
